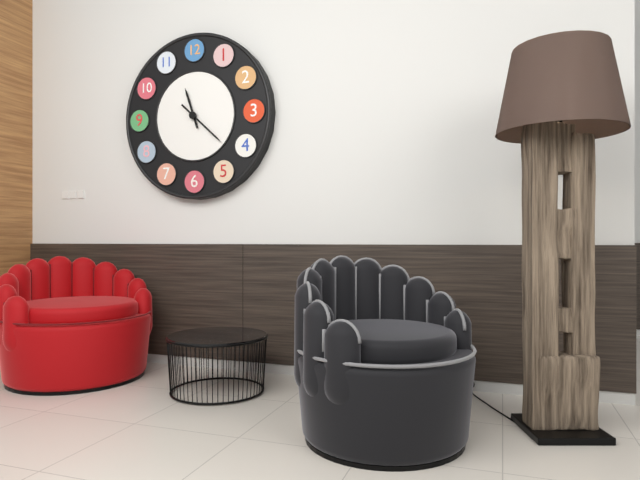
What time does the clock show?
11:22
